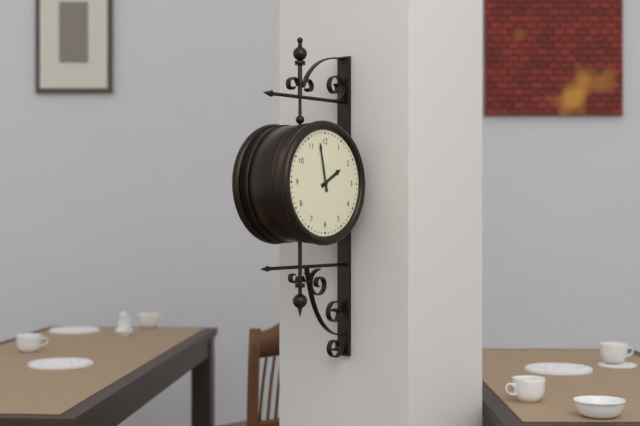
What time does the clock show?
1:58
